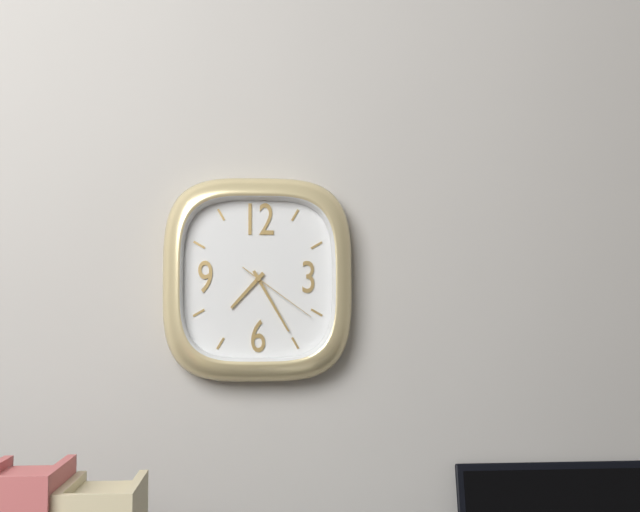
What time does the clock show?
7:25:21
